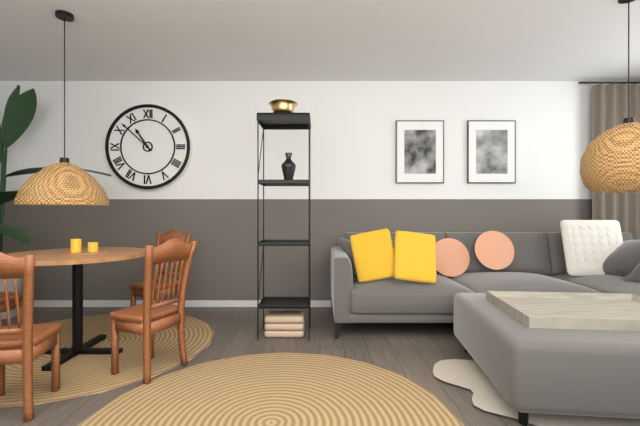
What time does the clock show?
10:52
